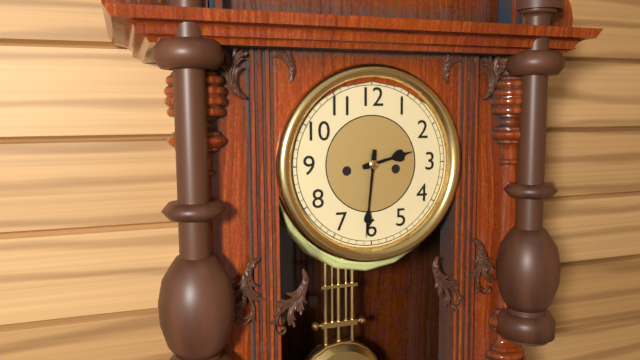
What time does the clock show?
2:31
